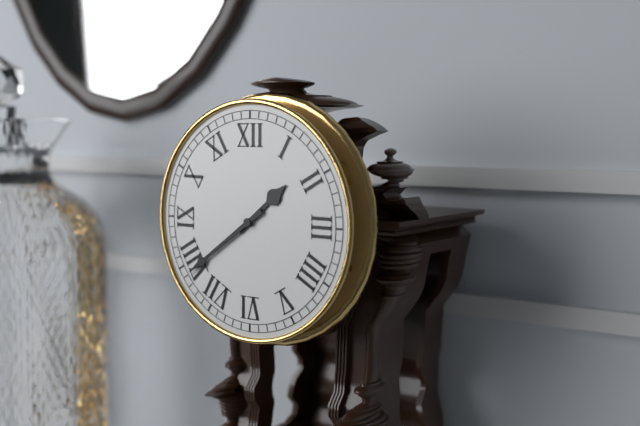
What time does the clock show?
1:39
